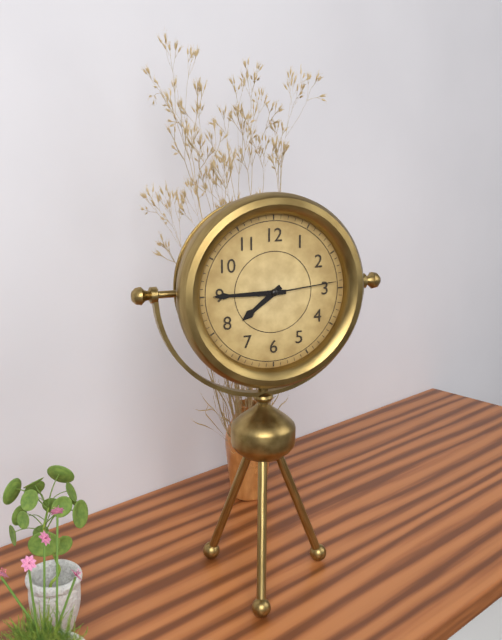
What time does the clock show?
7:45:14
